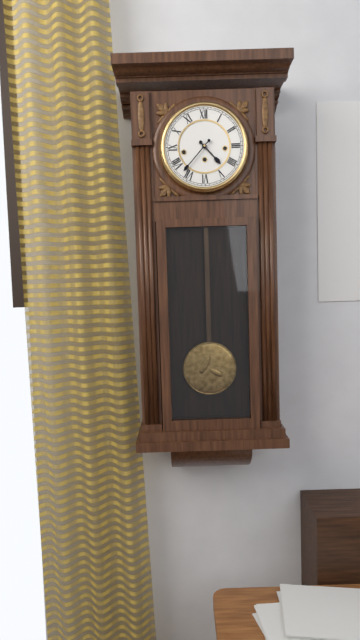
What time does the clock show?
4:37
